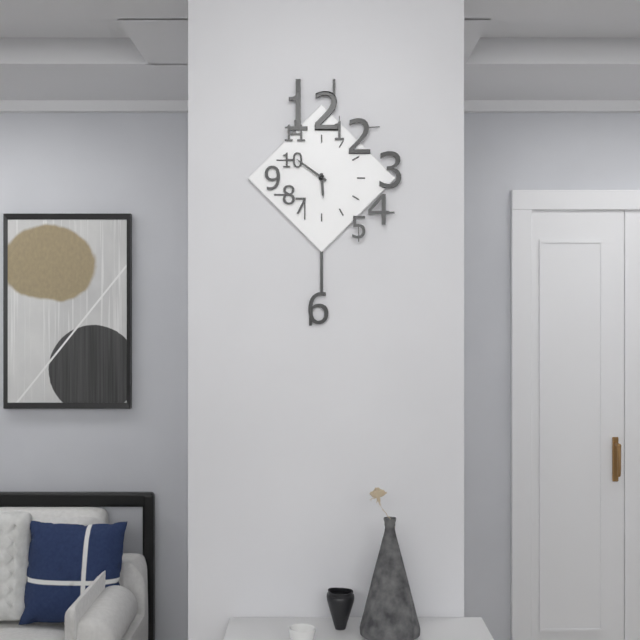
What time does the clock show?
5:51
